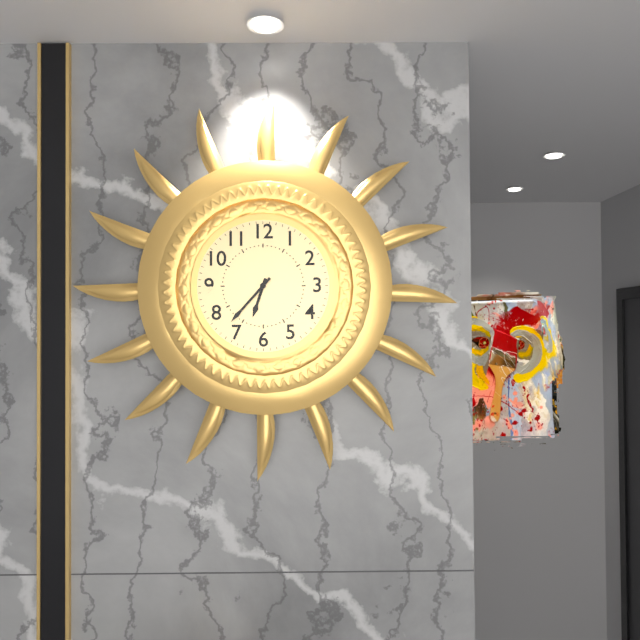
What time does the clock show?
6:37
